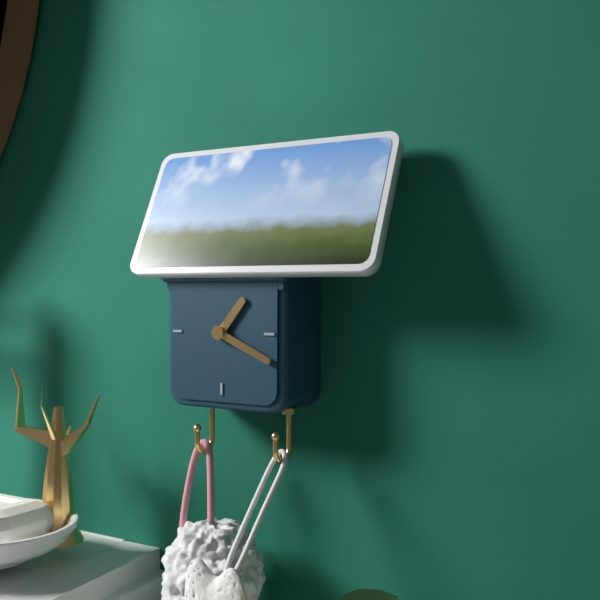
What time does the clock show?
1:19
